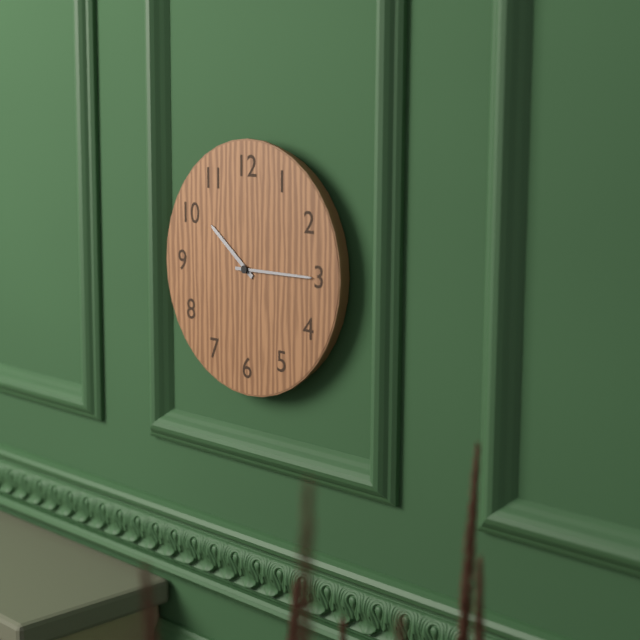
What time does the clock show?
10:15
